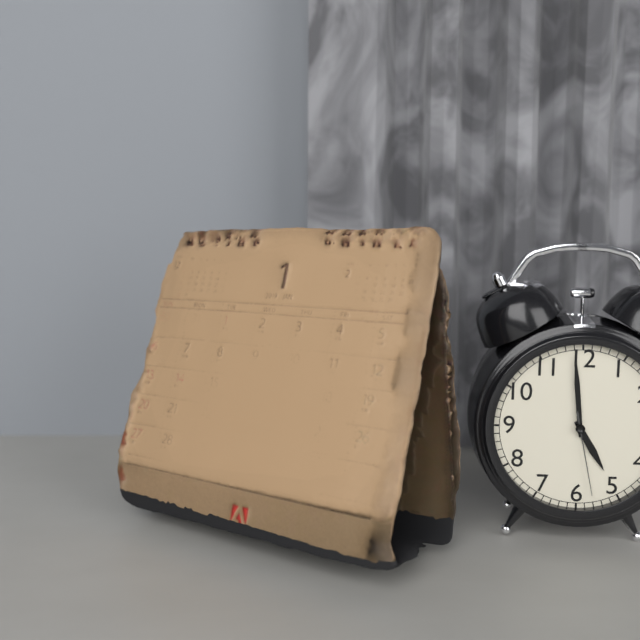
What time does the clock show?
4:59:28
